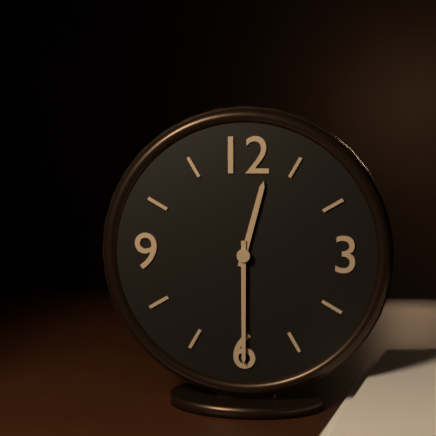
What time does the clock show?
12:30
